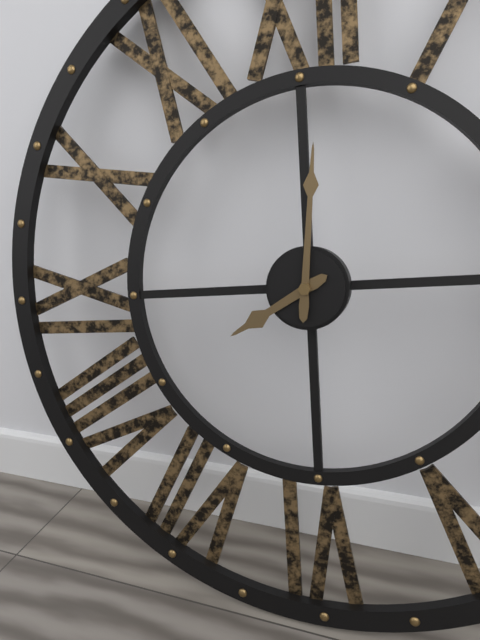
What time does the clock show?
8:01
